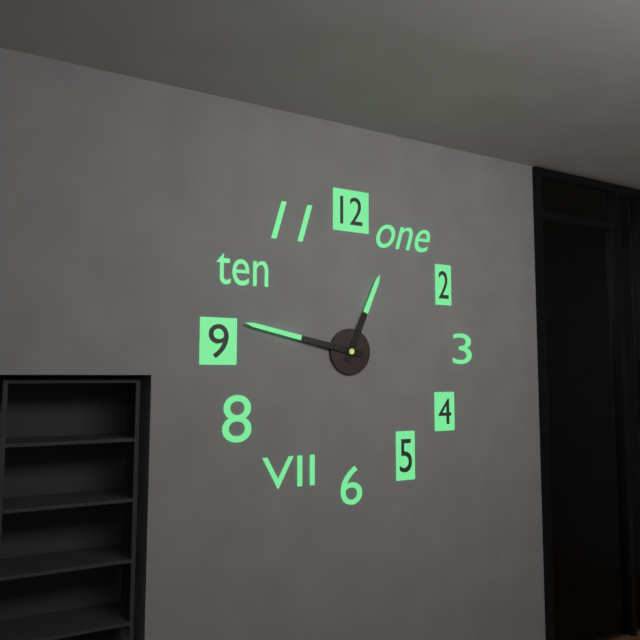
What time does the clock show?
12:47
